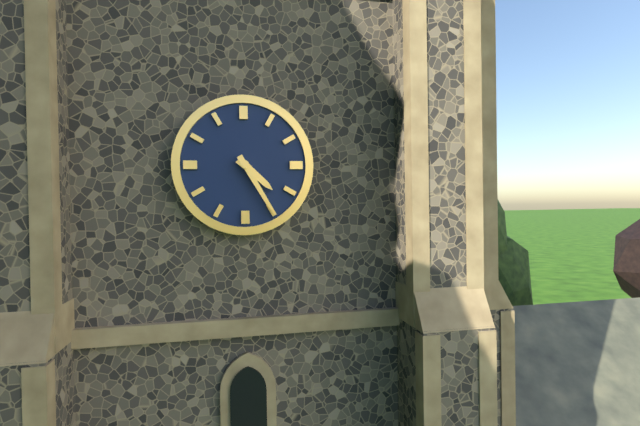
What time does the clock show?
4:25
